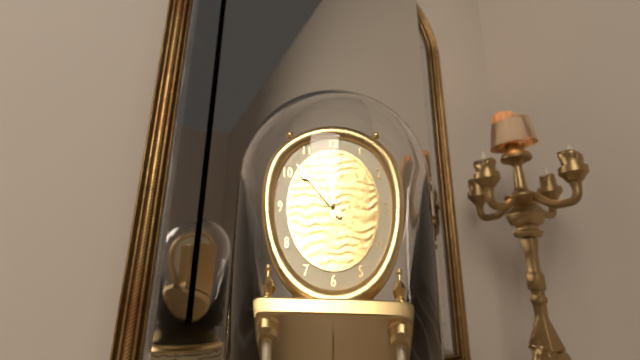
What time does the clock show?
11:52
